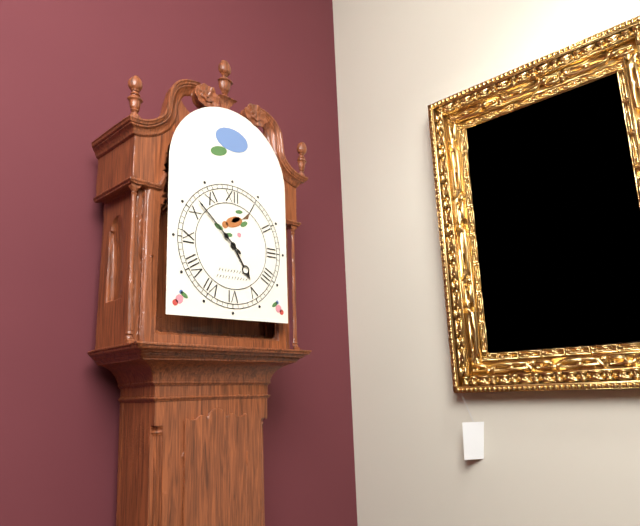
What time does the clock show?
4:52
